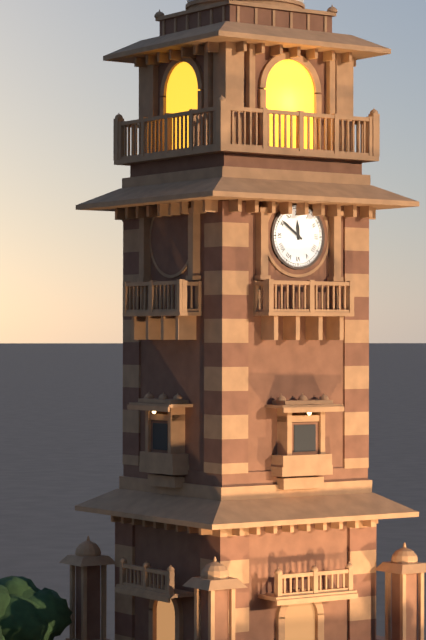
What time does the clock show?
11:51
